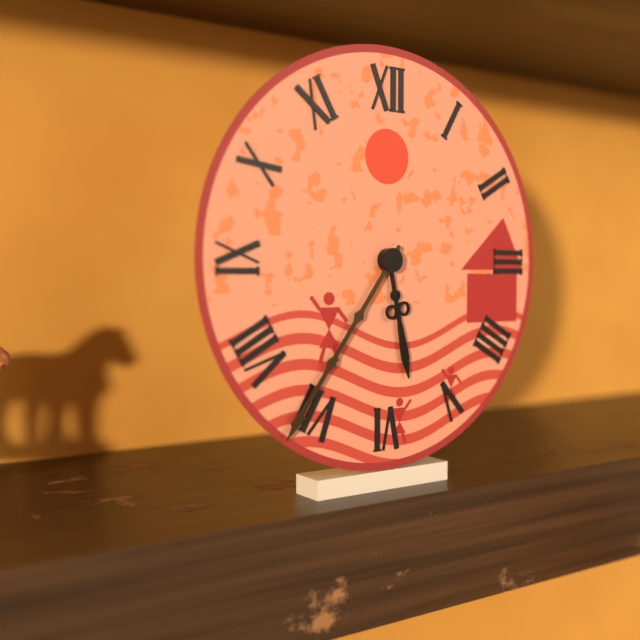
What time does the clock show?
5:36
